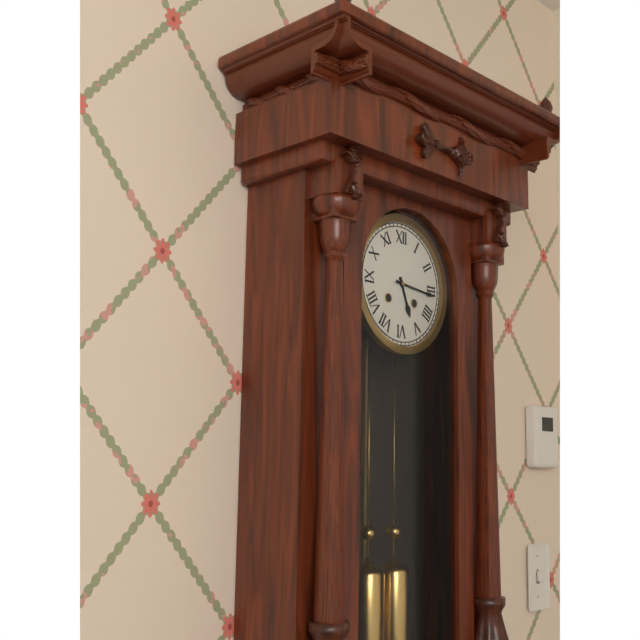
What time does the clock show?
5:16
